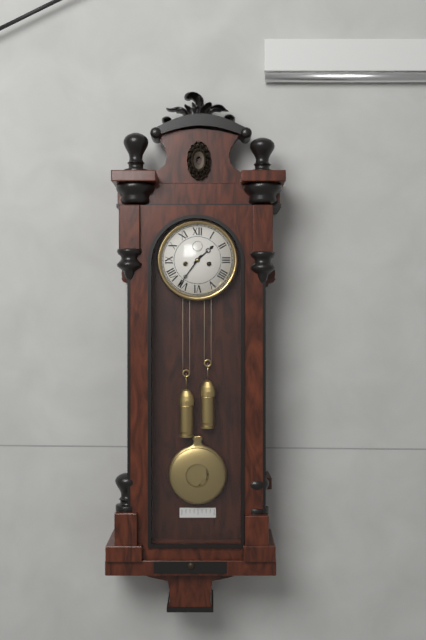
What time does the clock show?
1:36
